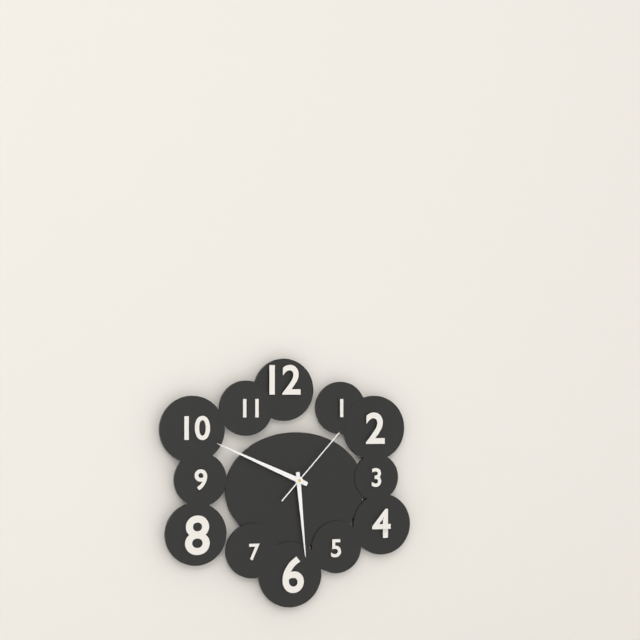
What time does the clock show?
5:49:07
